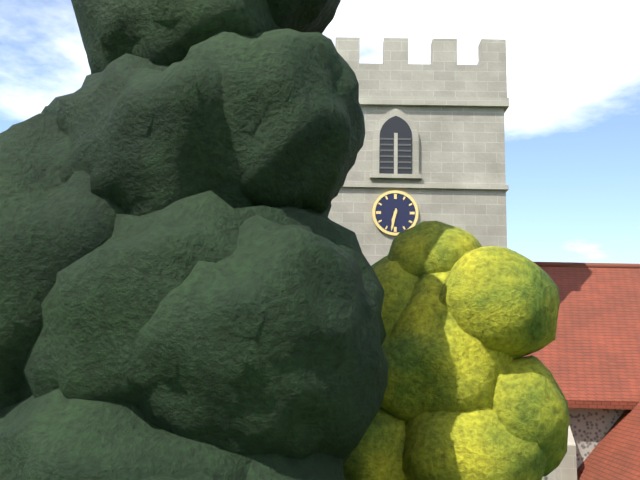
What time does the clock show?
6:32
